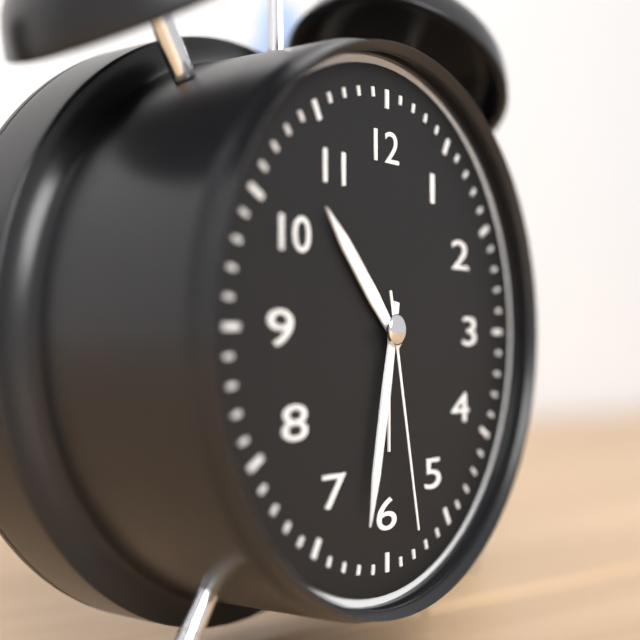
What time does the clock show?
10:32:28
